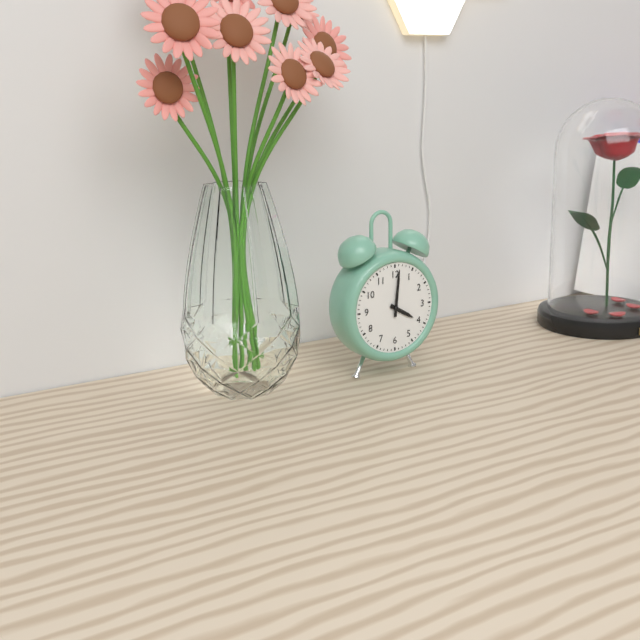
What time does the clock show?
4:01
